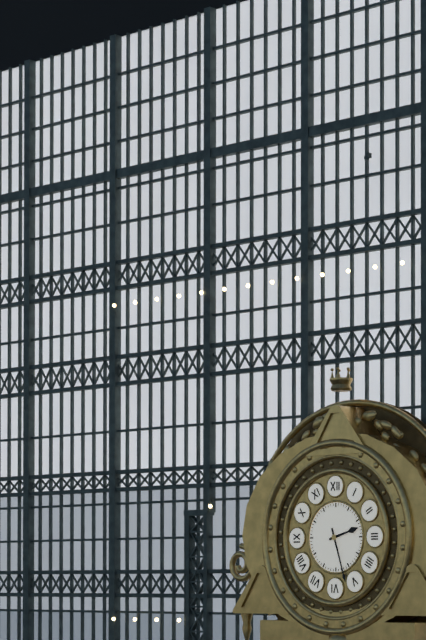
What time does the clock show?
2:27
